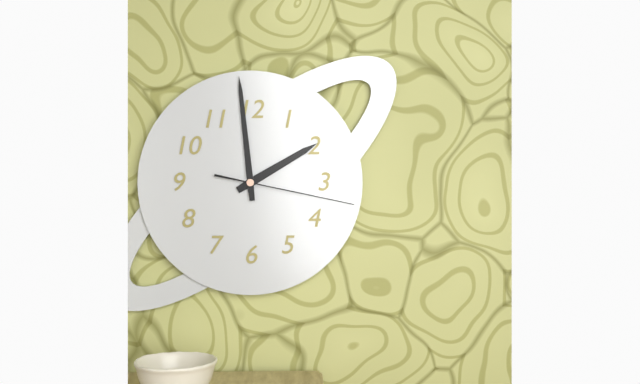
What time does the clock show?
1:59:17
